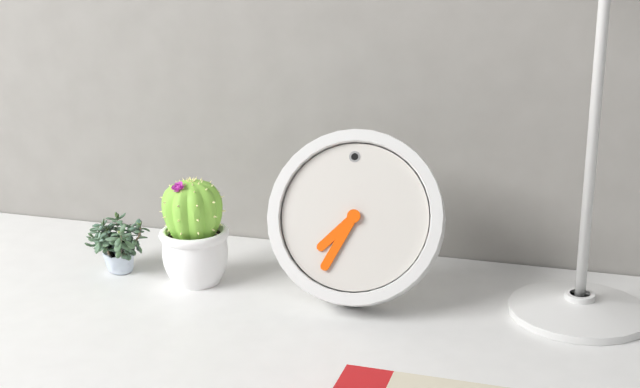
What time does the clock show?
7:35
